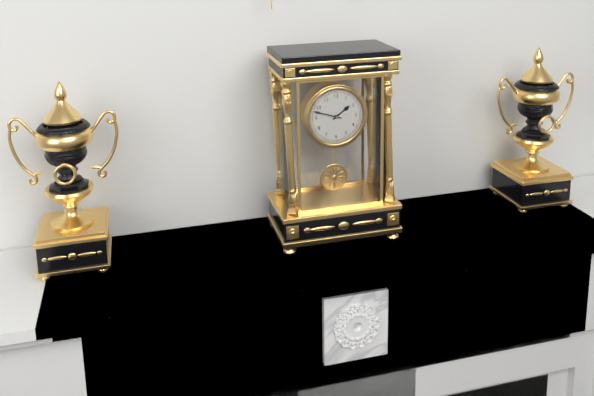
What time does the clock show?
1:48
